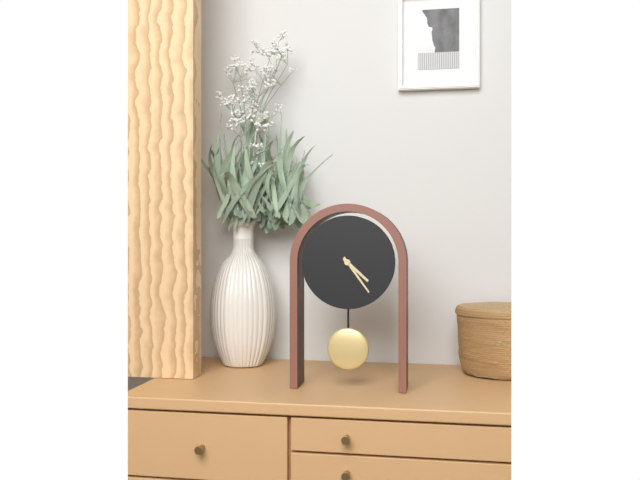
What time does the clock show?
4:24
